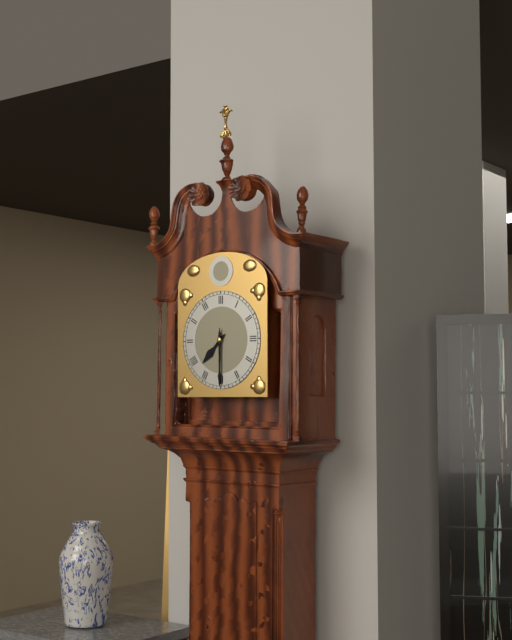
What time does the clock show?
7:30
